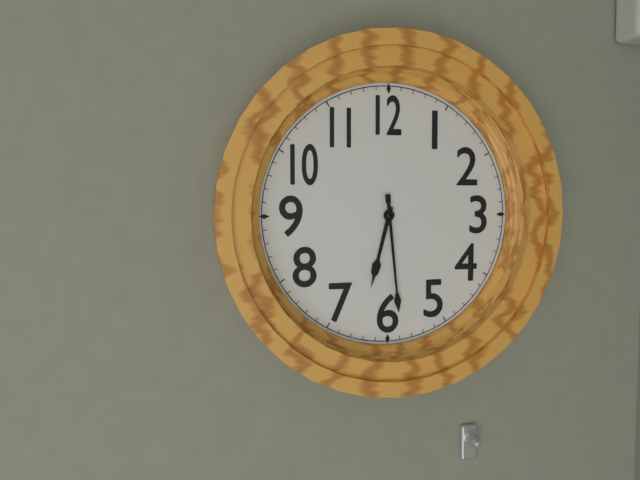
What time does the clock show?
6:29
